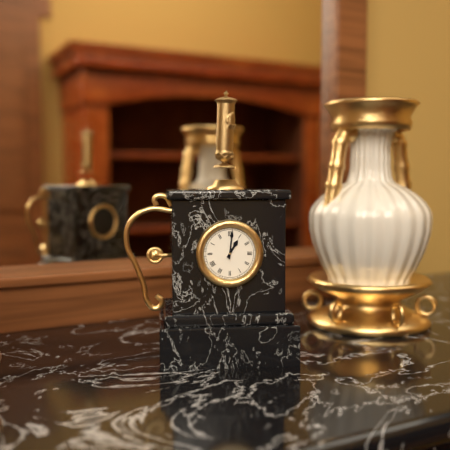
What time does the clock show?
1:01
